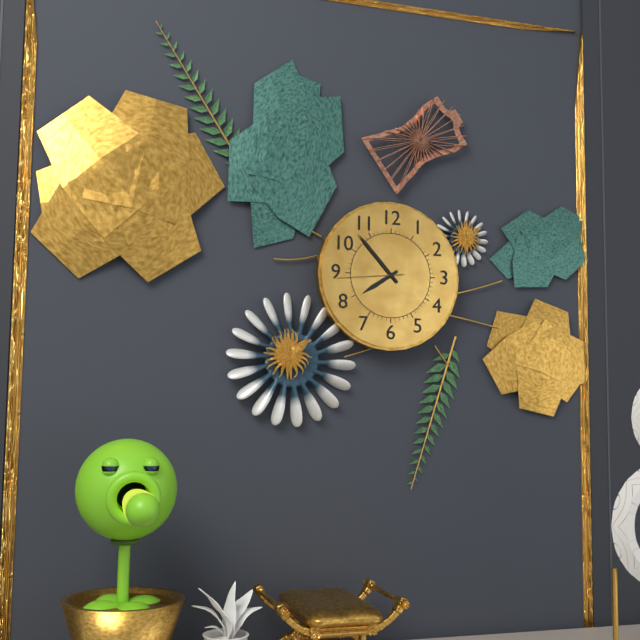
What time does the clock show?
7:53:44
